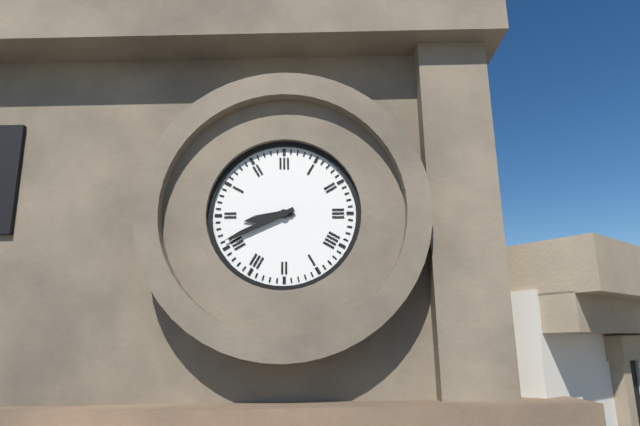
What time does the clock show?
8:41
